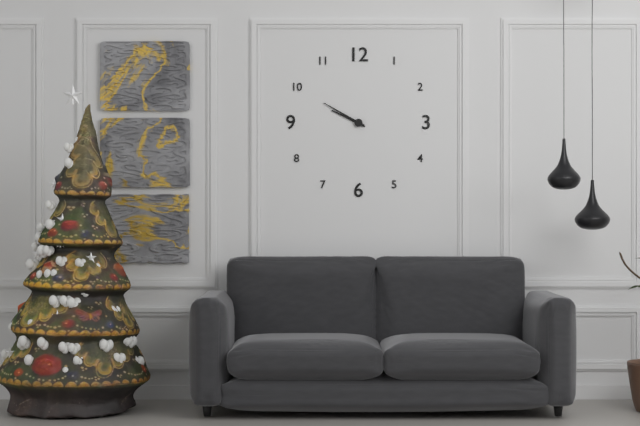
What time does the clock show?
9:50
